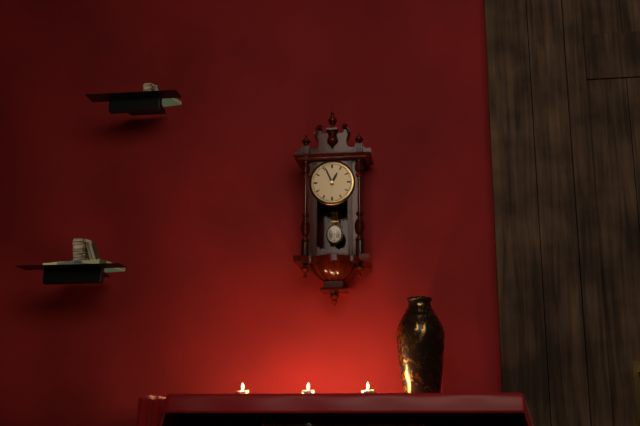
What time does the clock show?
12:56
